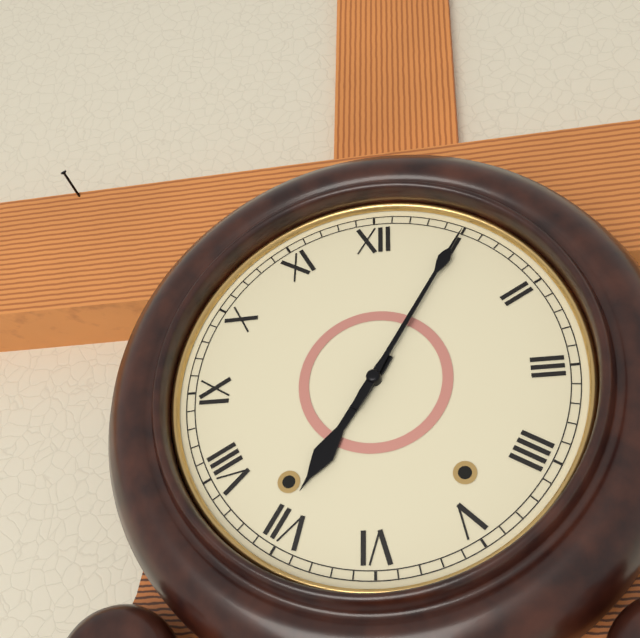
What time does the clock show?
7:05
